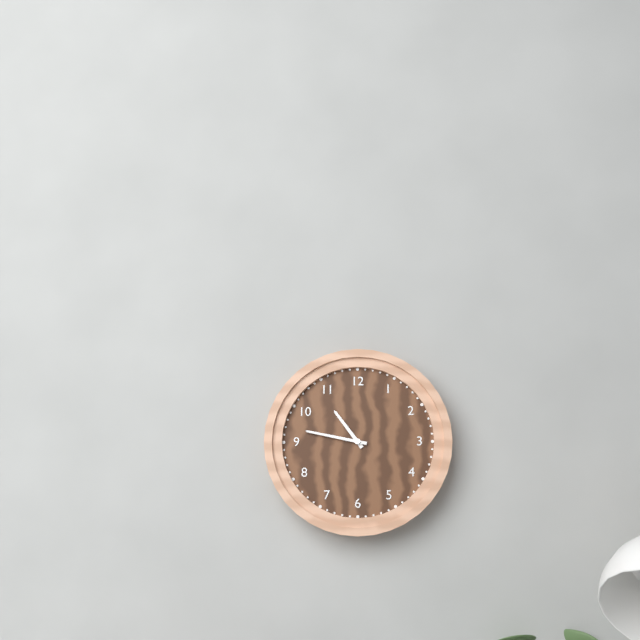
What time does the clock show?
10:47
